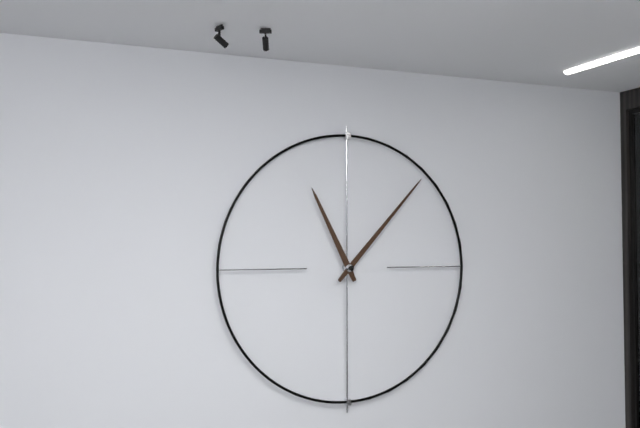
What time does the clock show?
11:07
